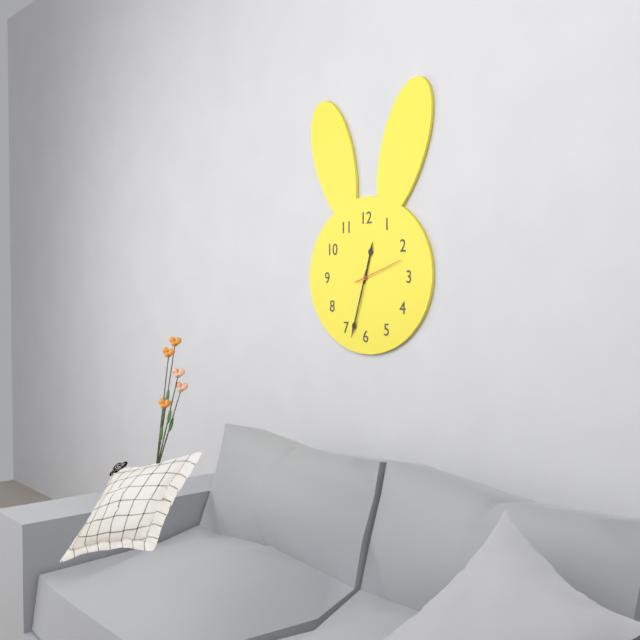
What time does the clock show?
12:33
